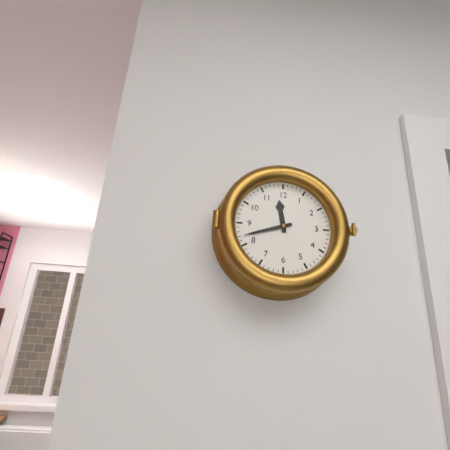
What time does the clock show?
11:42
